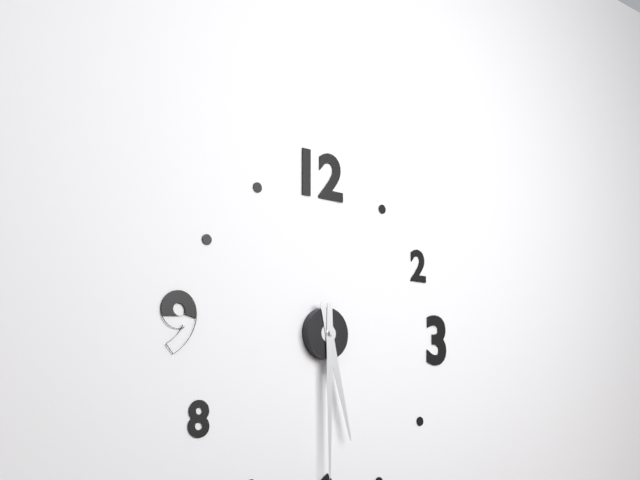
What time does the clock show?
5:30
